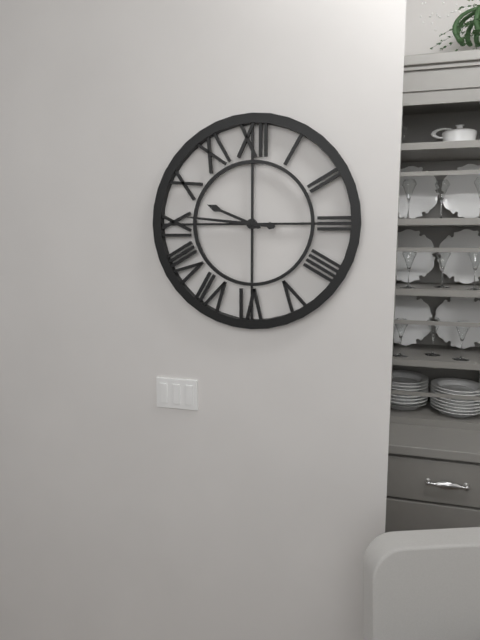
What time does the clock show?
9:46
